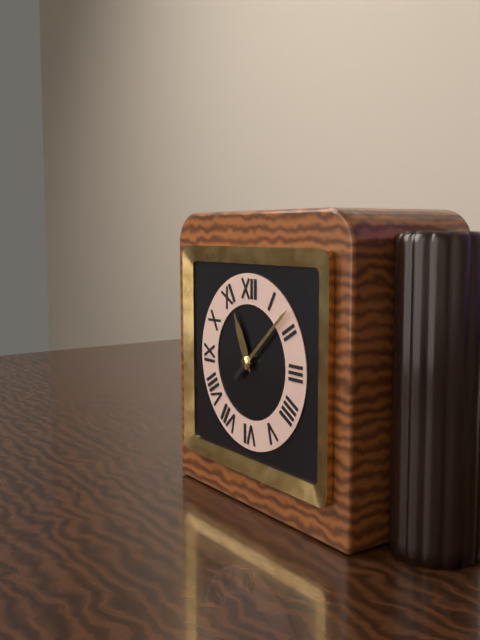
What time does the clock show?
11:08
